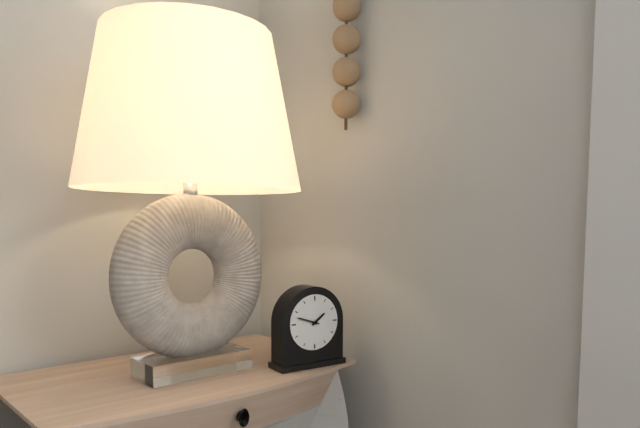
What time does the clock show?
1:48
